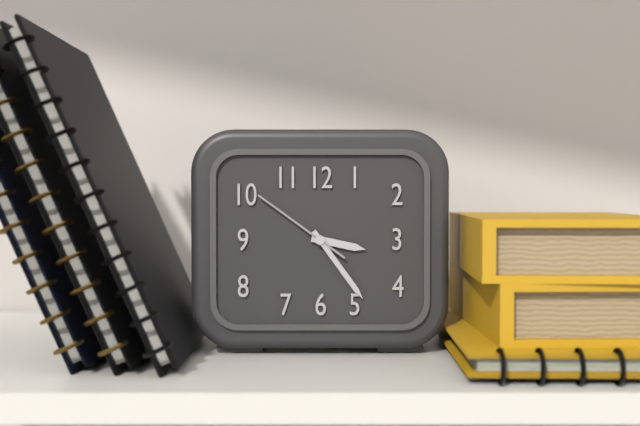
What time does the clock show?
3:24:51
